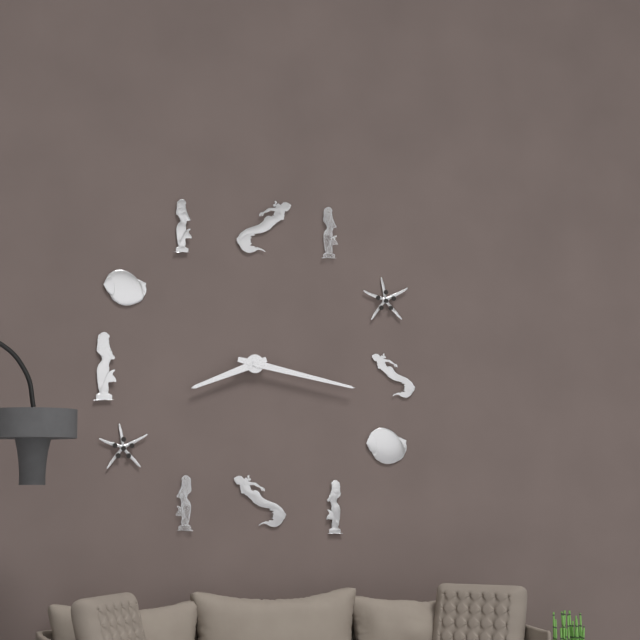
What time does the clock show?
8:17
